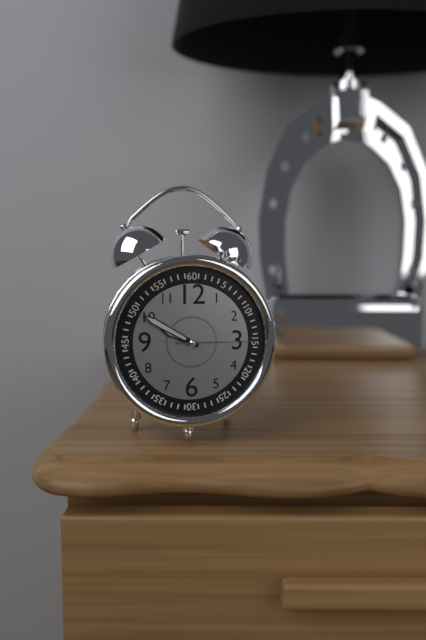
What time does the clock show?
9:50:15
